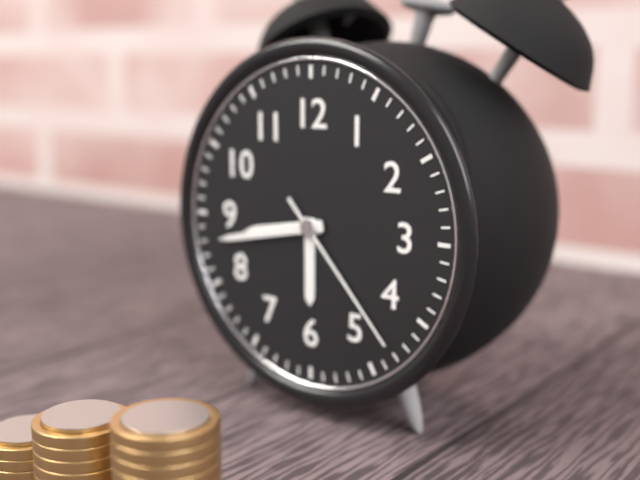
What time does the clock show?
8:43:23
